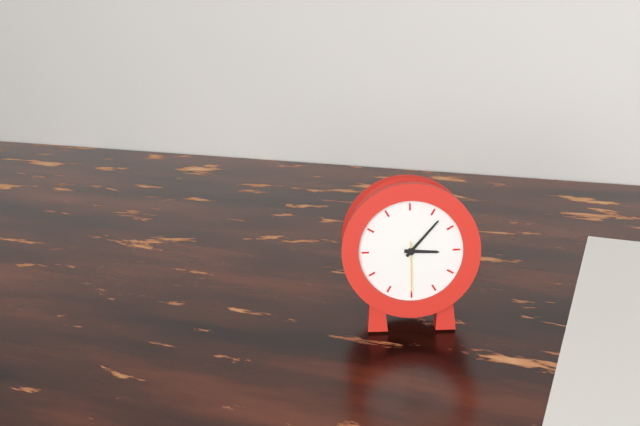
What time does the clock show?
3:07:30
